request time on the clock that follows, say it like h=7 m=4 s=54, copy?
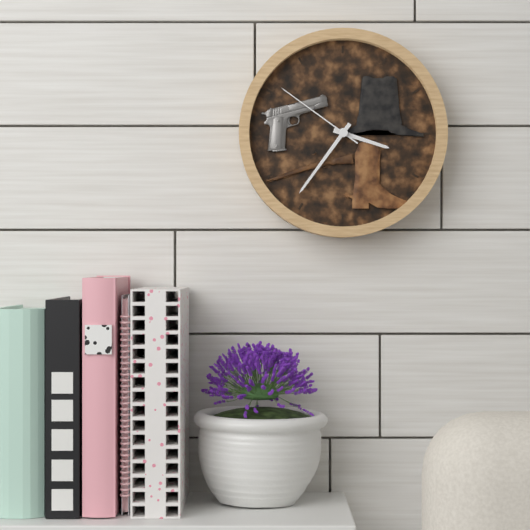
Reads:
h=3 m=36 s=51
